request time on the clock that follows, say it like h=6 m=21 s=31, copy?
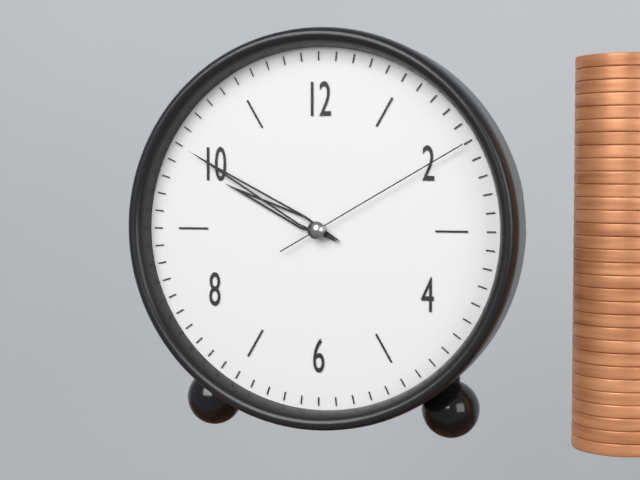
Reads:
h=9 m=50 s=10
